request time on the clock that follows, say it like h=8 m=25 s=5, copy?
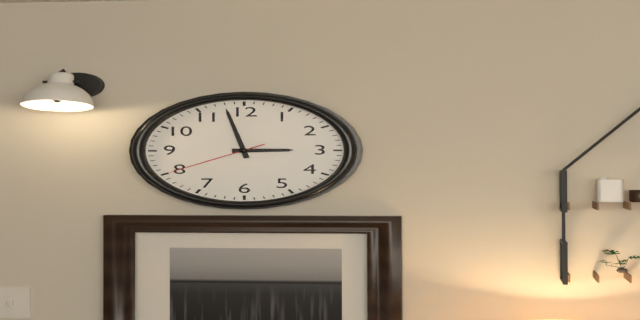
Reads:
h=2 m=58 s=40
